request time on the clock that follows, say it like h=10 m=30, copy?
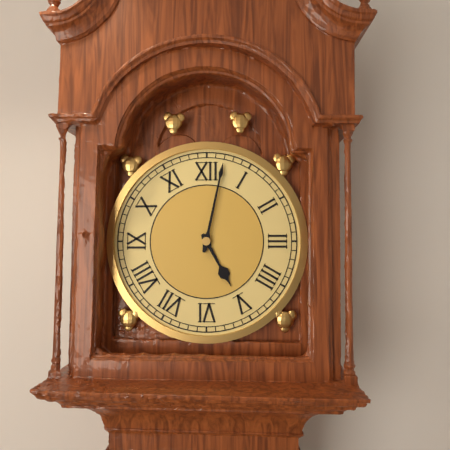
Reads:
h=5 m=2
